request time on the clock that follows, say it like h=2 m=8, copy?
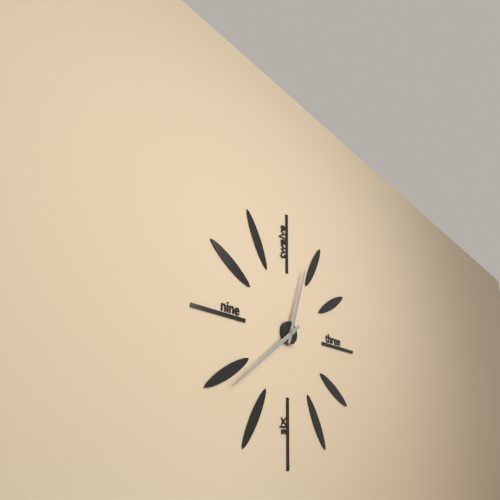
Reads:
h=12 m=39
